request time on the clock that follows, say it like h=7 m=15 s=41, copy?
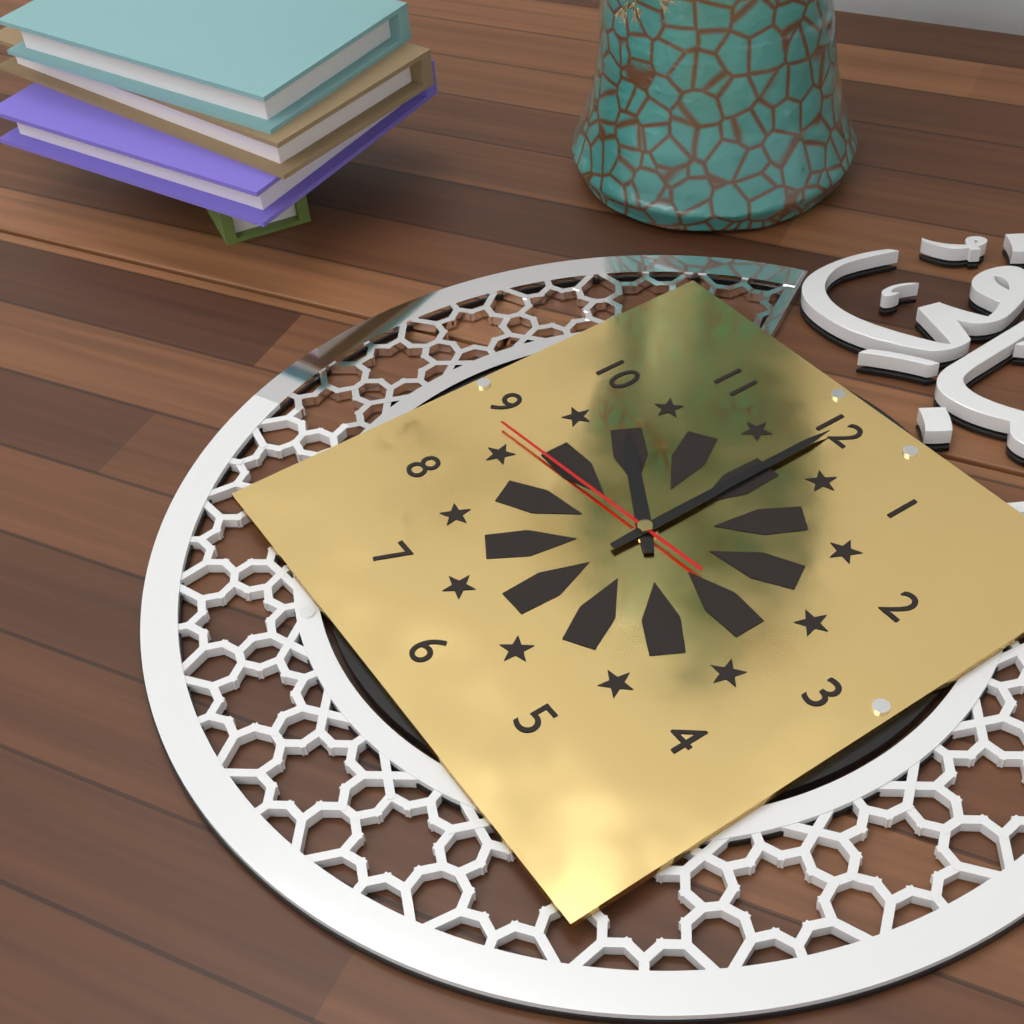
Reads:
h=10 m=0 s=44
